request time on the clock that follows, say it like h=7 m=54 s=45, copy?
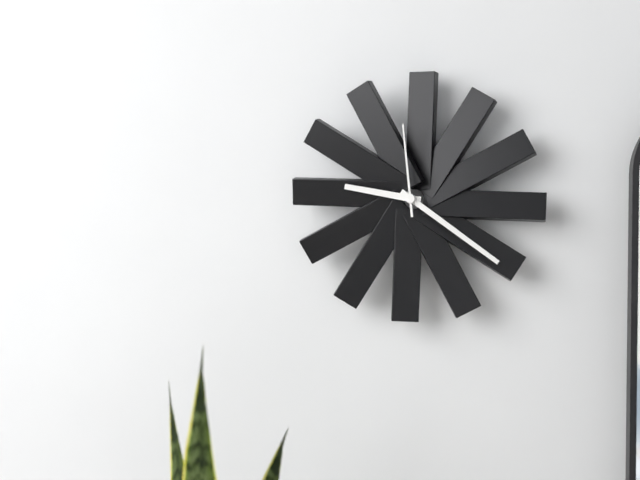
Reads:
h=9 m=21 s=59
